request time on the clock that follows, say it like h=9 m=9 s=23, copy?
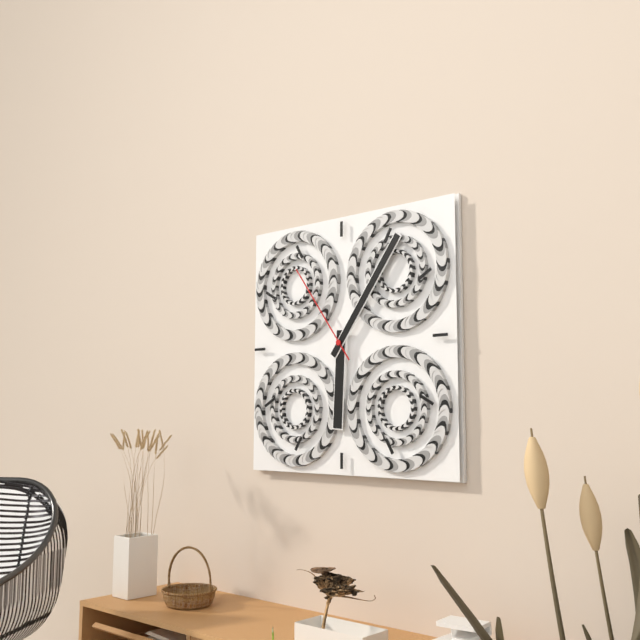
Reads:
h=6 m=6 s=54
